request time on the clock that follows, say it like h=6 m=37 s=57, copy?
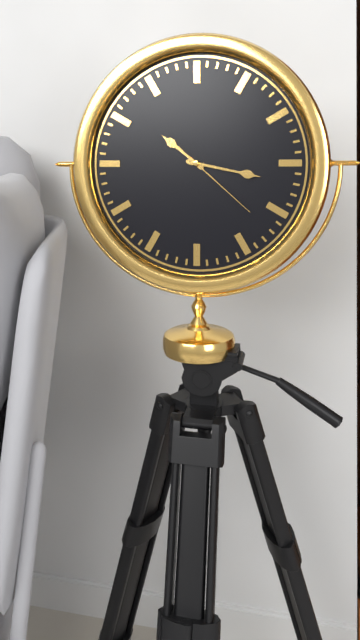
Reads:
h=10 m=17 s=22
